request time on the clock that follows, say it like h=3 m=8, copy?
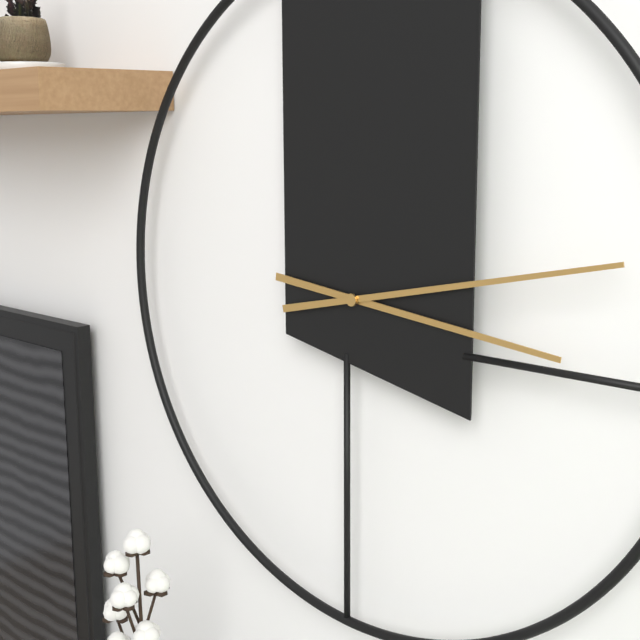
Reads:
h=3 m=13
